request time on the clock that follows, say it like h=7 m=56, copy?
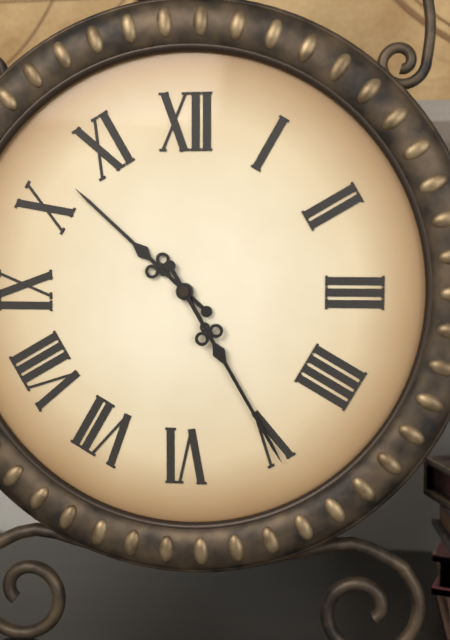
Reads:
h=10 m=25
